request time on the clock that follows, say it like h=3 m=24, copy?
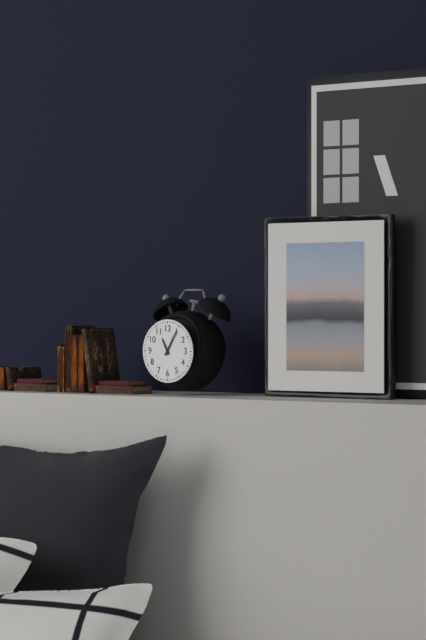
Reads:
h=11 m=5
